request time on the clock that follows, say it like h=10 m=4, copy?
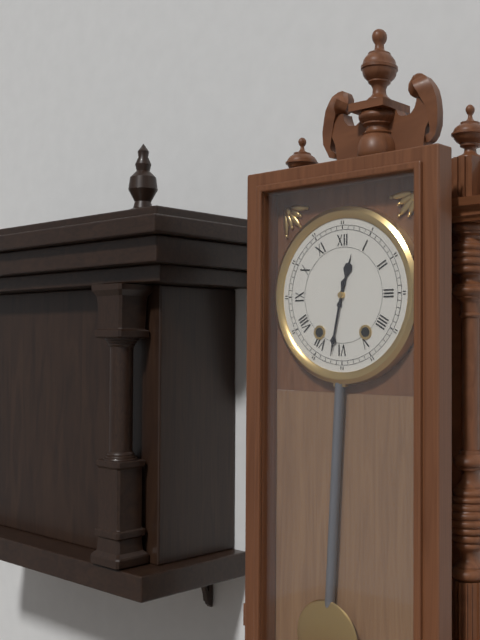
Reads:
h=12 m=32
